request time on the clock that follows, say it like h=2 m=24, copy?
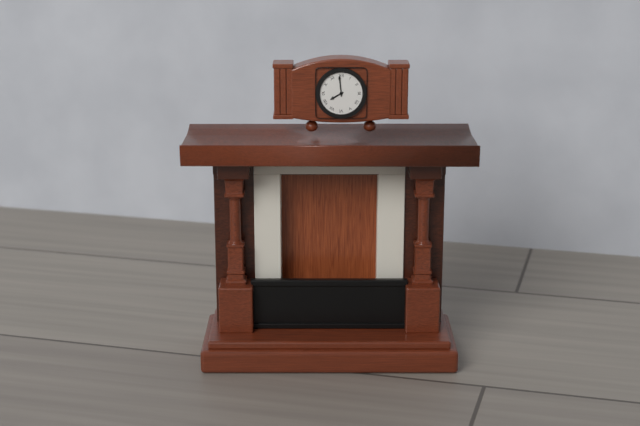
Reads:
h=7 m=59
